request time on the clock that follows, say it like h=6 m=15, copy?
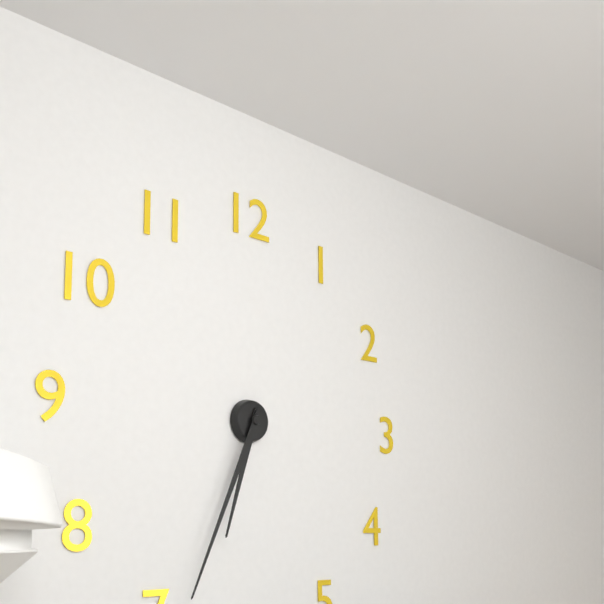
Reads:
h=6 m=34
